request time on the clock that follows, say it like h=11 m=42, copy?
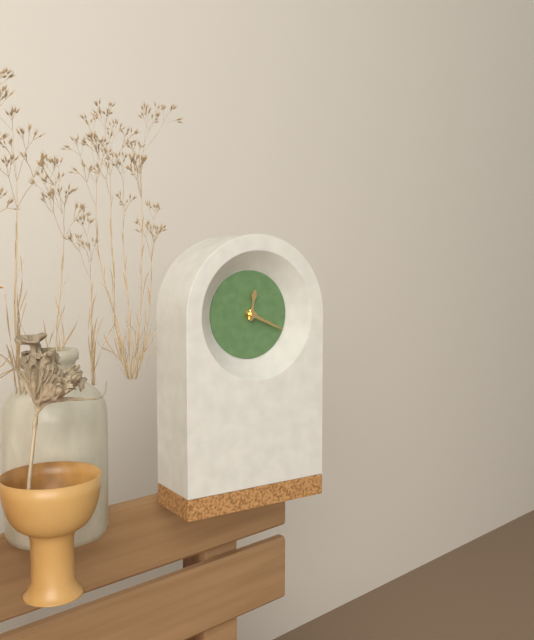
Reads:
h=12 m=19
